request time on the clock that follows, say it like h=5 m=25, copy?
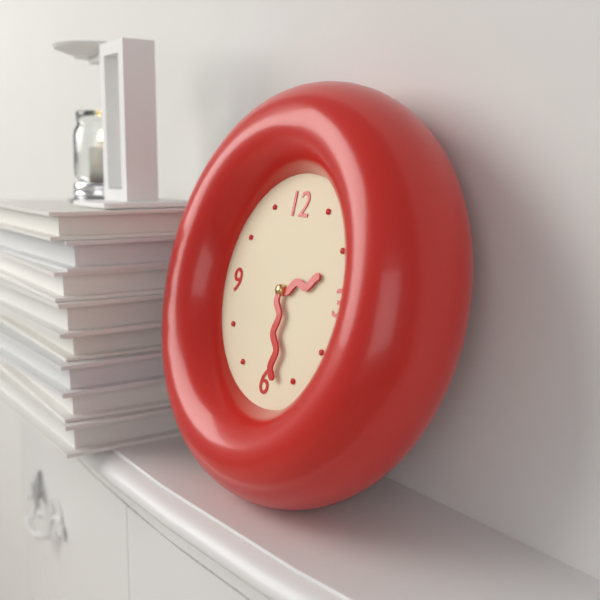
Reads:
h=2 m=28
